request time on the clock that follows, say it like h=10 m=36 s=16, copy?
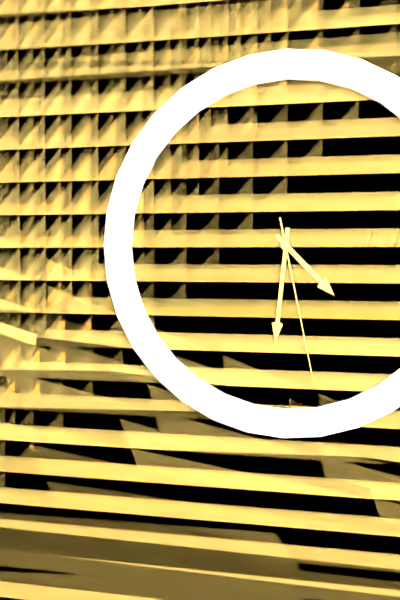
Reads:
h=4 m=31 s=28
